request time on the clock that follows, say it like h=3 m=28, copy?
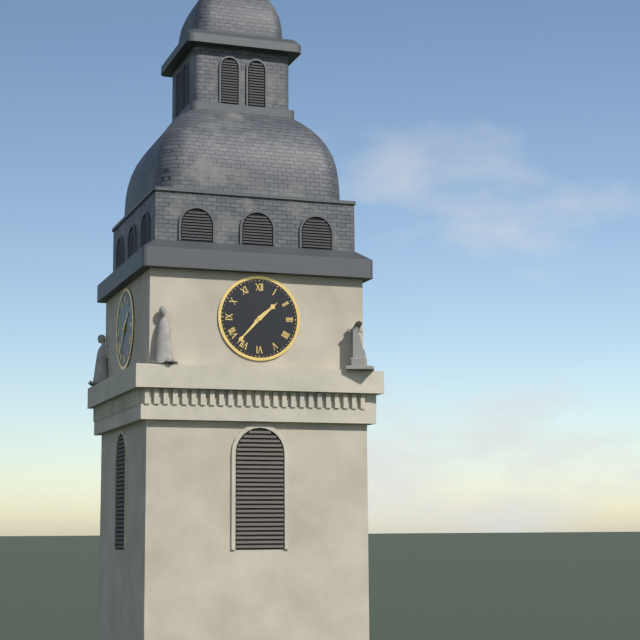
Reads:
h=1 m=37
